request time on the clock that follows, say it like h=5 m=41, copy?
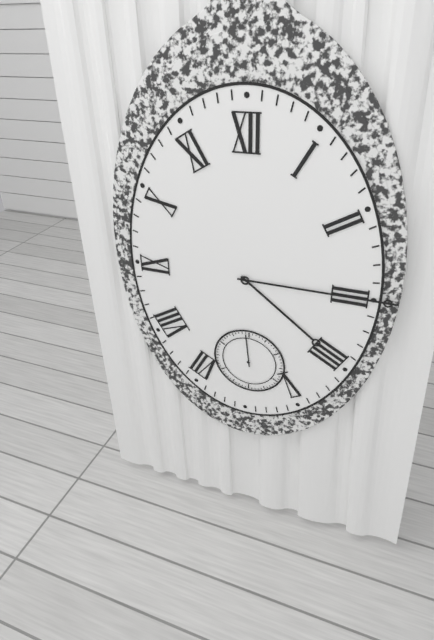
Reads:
h=4 m=15
